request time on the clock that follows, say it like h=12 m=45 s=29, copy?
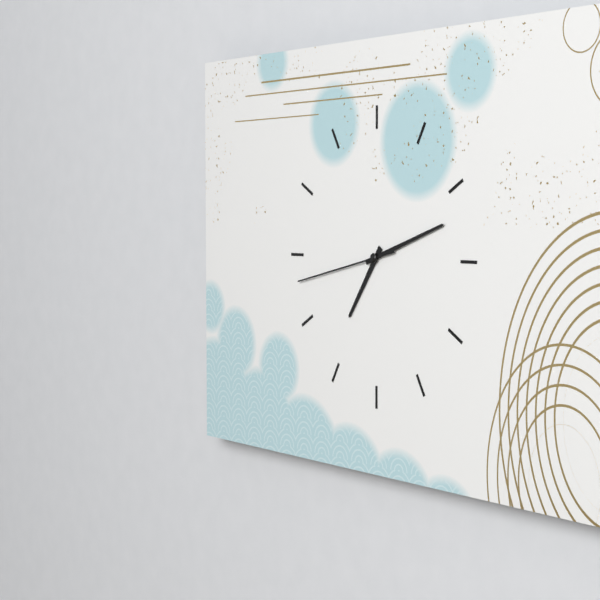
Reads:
h=7 m=12 s=43
